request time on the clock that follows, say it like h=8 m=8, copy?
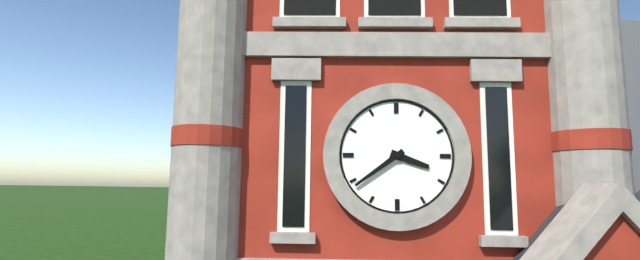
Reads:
h=3 m=39
